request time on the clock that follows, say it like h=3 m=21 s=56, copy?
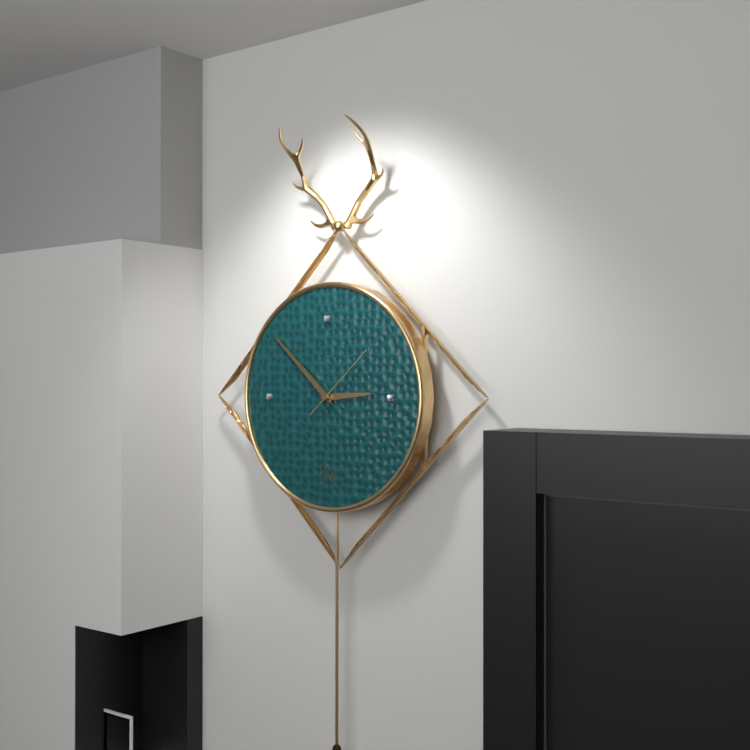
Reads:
h=2 m=52 s=8
